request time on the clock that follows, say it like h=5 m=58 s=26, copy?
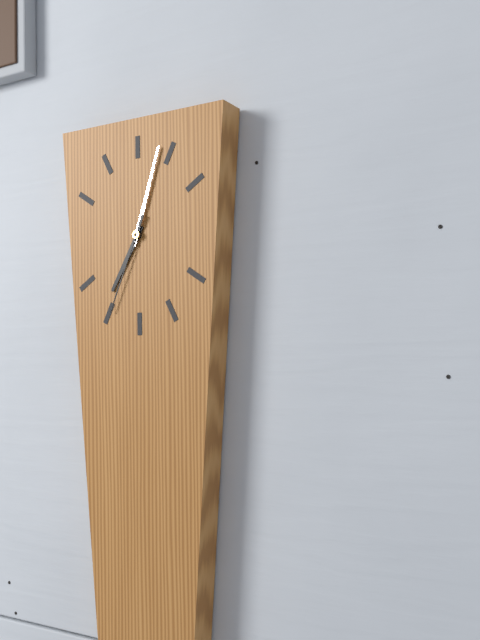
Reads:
h=7 m=3 s=34
